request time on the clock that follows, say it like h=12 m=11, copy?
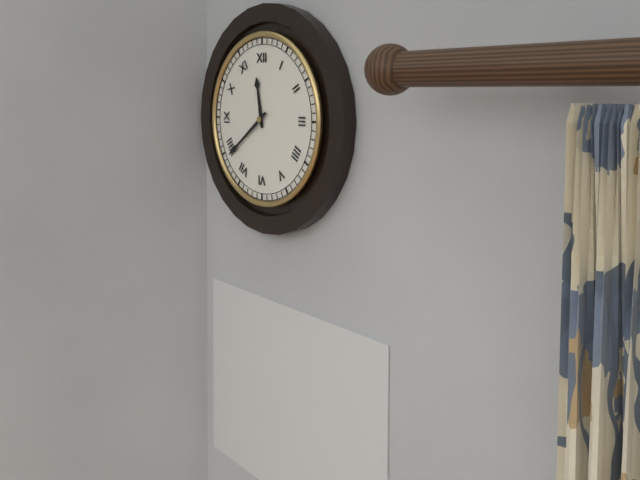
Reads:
h=11 m=39
